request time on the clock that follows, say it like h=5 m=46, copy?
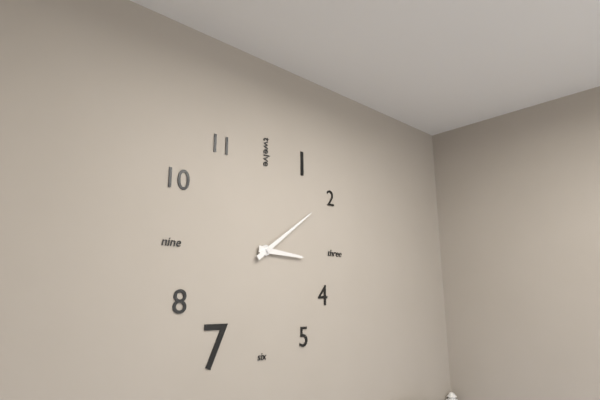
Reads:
h=3 m=9
